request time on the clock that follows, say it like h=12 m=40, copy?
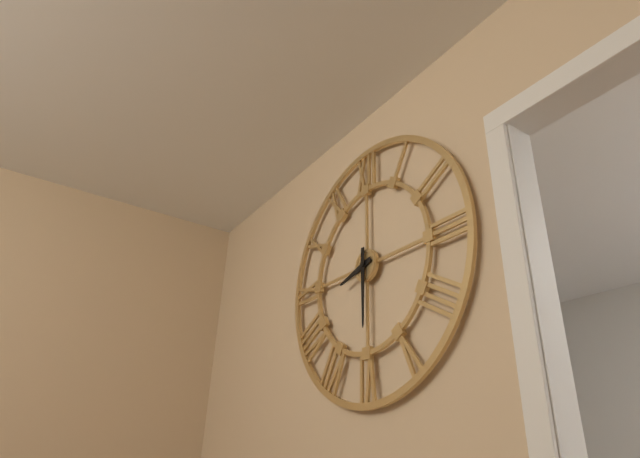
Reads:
h=8 m=30
